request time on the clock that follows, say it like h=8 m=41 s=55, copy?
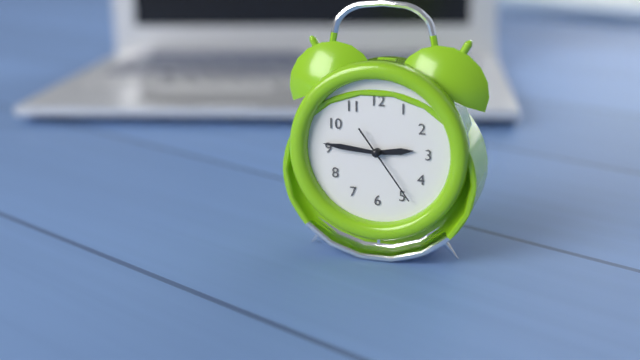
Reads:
h=2 m=46 s=24
